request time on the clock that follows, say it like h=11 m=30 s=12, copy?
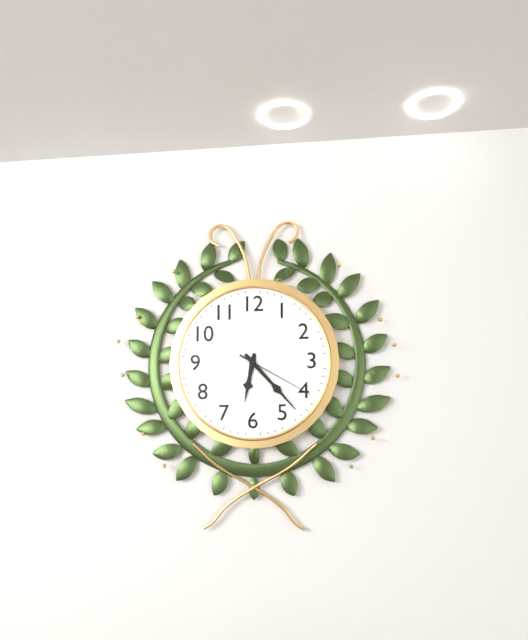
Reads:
h=6 m=23 s=20
